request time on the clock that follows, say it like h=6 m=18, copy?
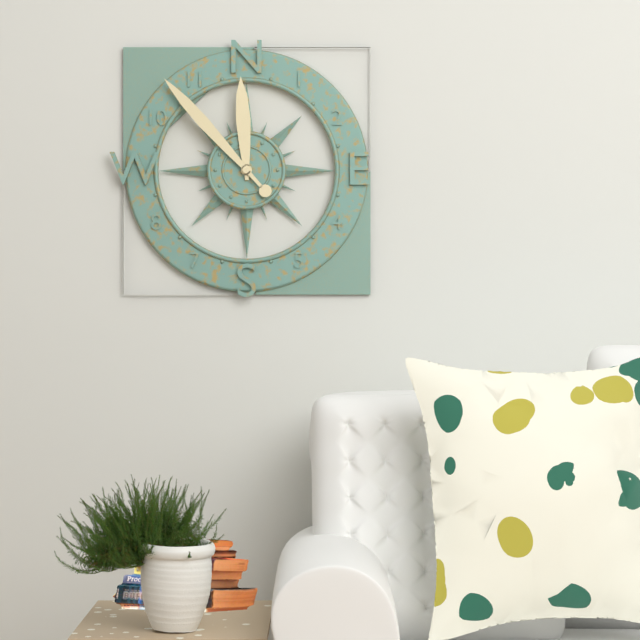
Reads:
h=11 m=53
